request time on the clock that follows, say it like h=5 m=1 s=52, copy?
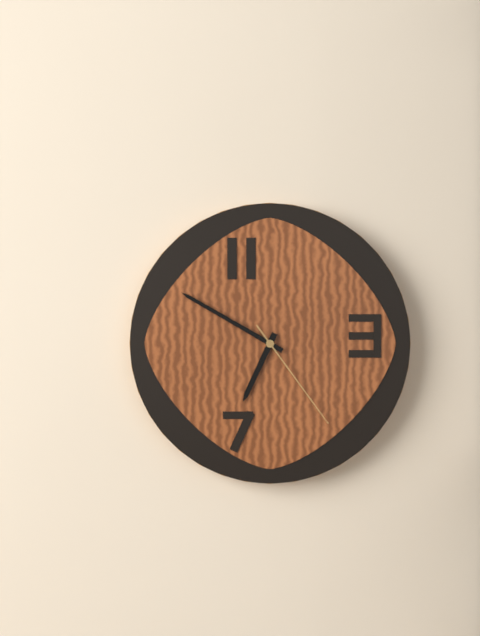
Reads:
h=6 m=50 s=24
